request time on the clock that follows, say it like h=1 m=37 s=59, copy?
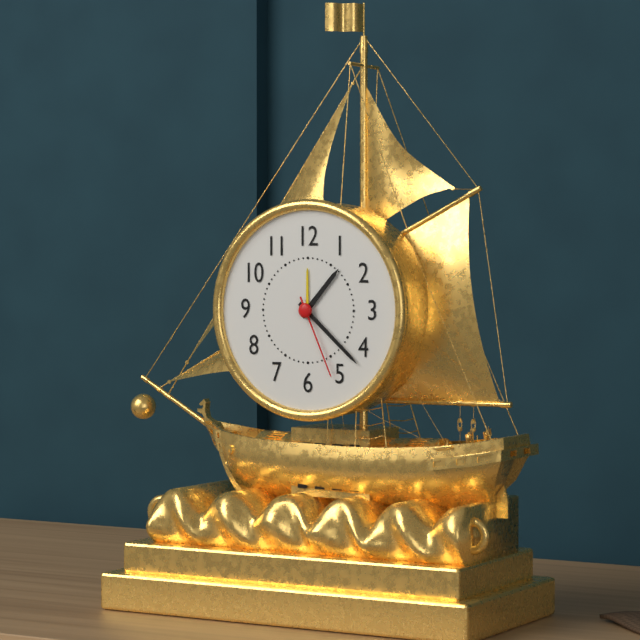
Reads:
h=1 m=22 s=26
